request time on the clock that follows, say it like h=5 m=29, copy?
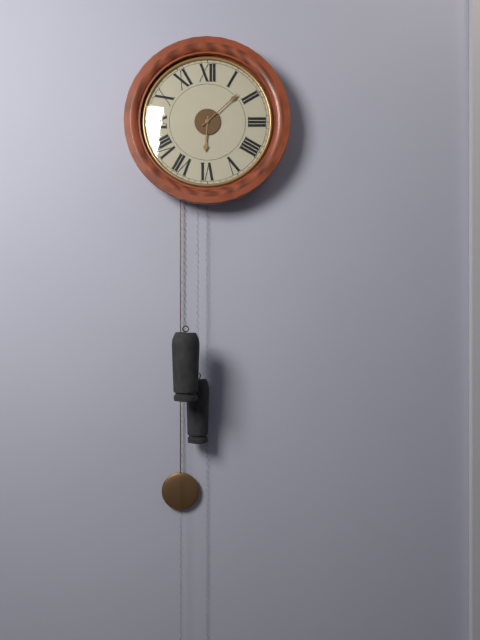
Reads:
h=6 m=8
